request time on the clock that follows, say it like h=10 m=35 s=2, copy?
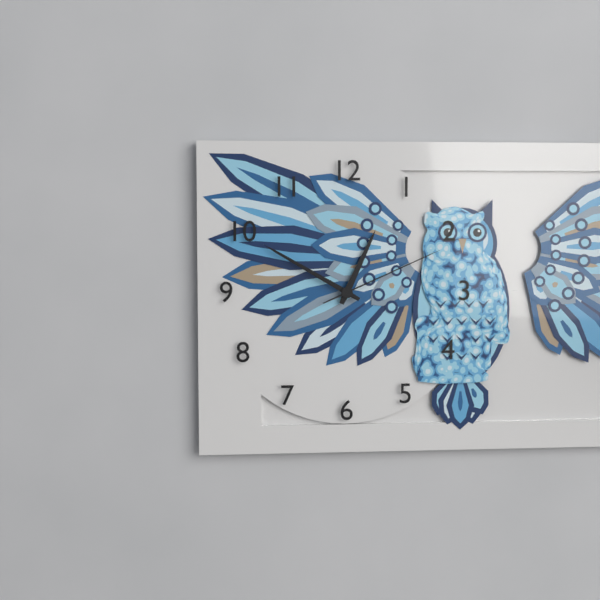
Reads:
h=12 m=50 s=11
